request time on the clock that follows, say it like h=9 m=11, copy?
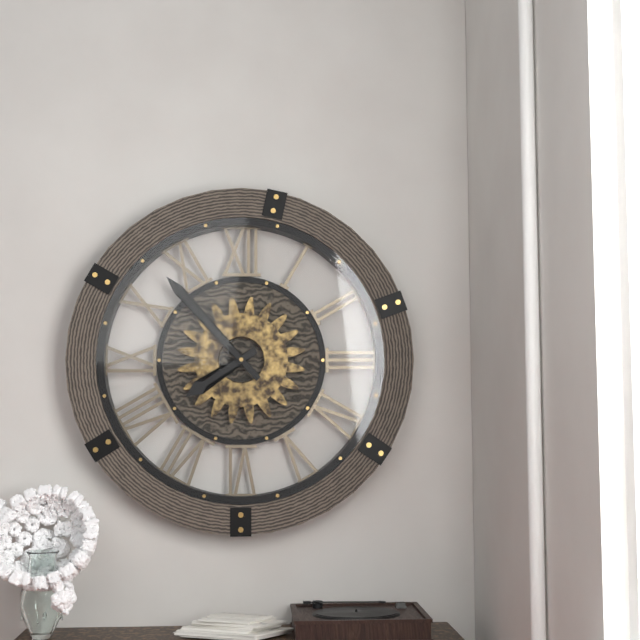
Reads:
h=7 m=53
